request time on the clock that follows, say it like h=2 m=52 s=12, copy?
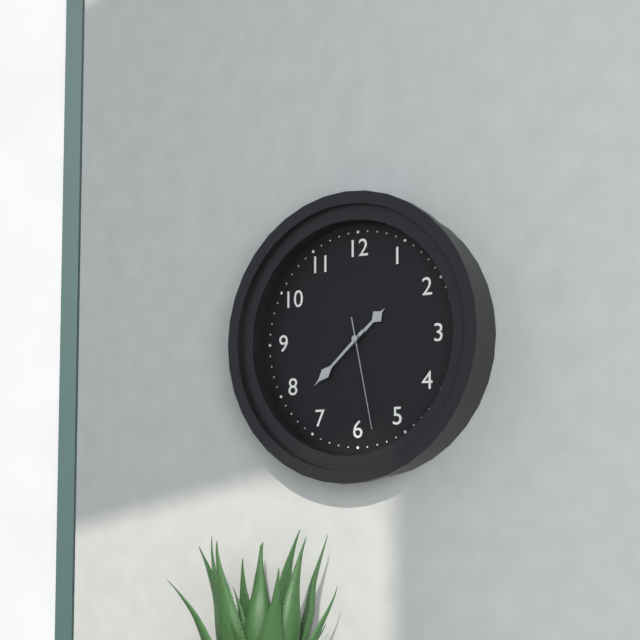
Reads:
h=1 m=38 s=28
